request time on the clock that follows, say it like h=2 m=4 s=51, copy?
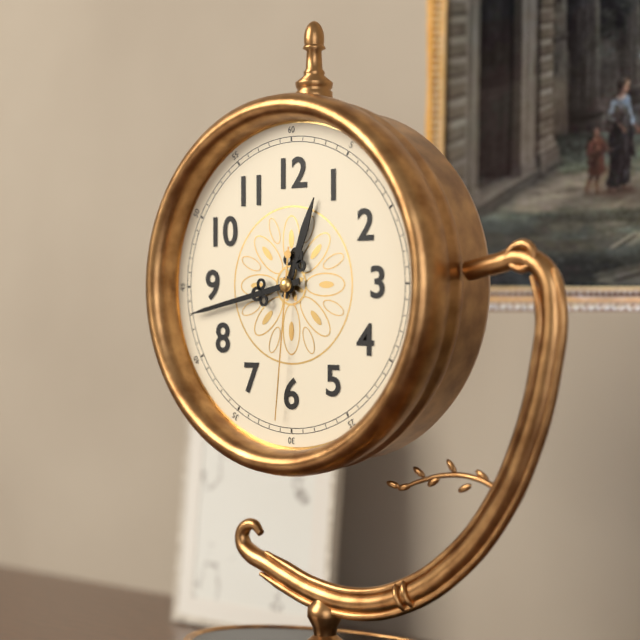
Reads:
h=12 m=43 s=31
